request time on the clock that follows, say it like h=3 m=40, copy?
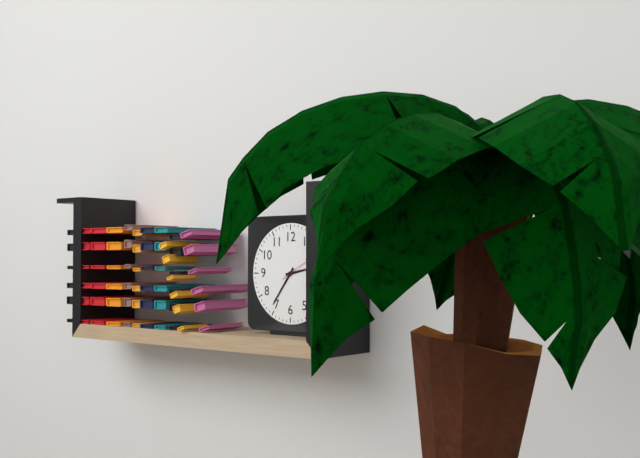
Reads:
h=2 m=36
